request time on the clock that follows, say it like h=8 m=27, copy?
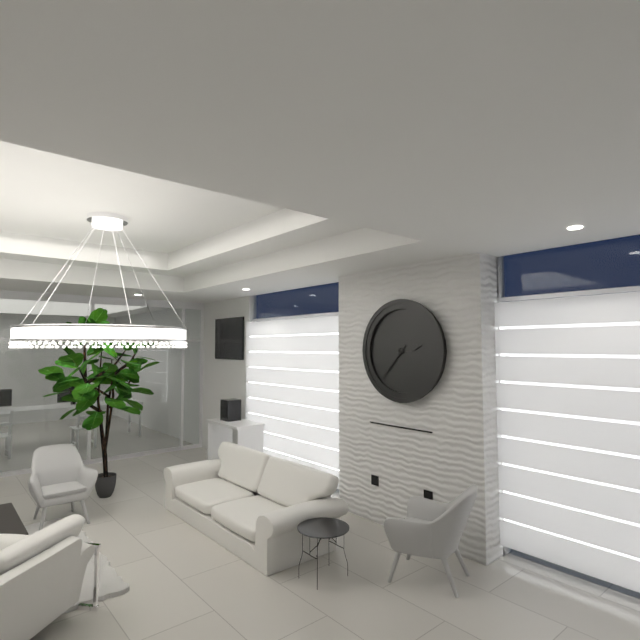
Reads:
h=2 m=37
